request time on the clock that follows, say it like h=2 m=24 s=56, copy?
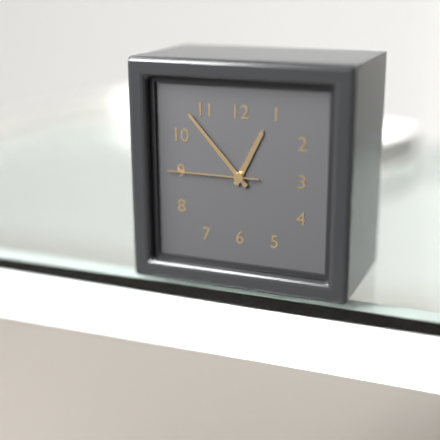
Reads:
h=12 m=53 s=45
